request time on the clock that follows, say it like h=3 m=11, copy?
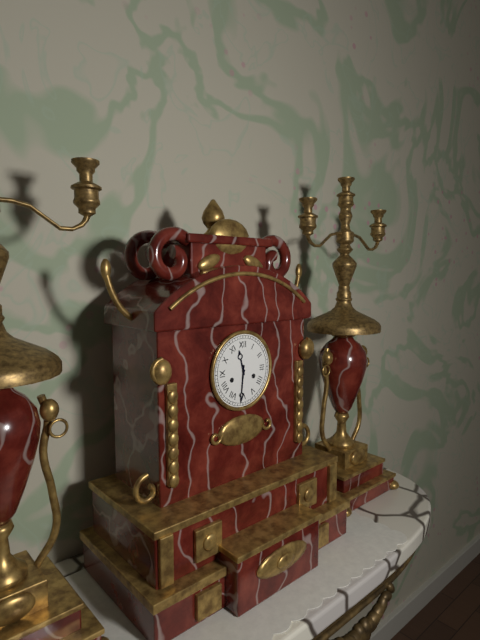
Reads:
h=11 m=31
